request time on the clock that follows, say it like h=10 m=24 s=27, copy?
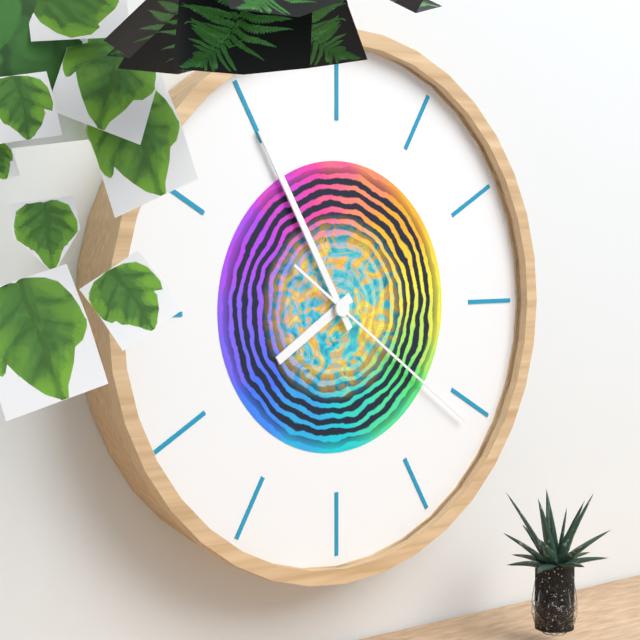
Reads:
h=7 m=55 s=21
